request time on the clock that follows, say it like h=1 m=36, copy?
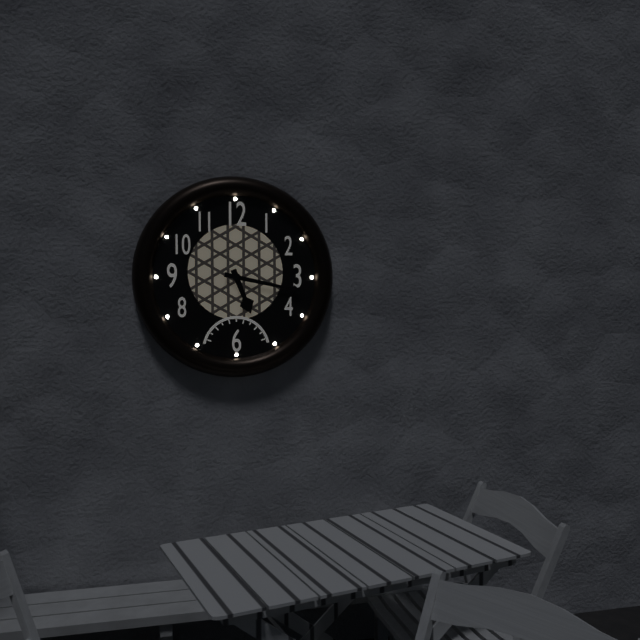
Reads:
h=5 m=17
